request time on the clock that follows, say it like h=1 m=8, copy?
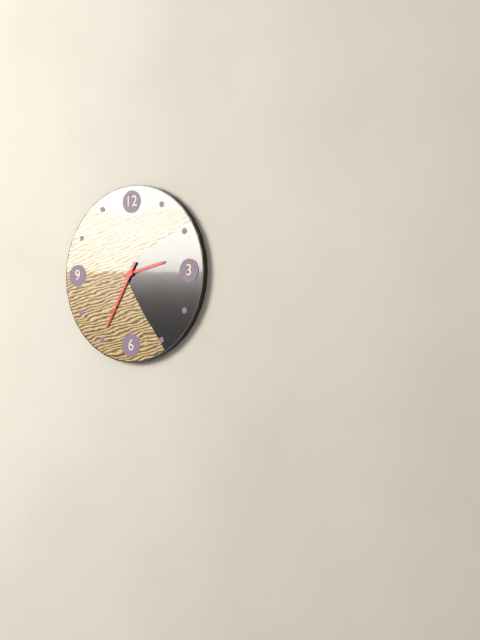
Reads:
h=2 m=35
